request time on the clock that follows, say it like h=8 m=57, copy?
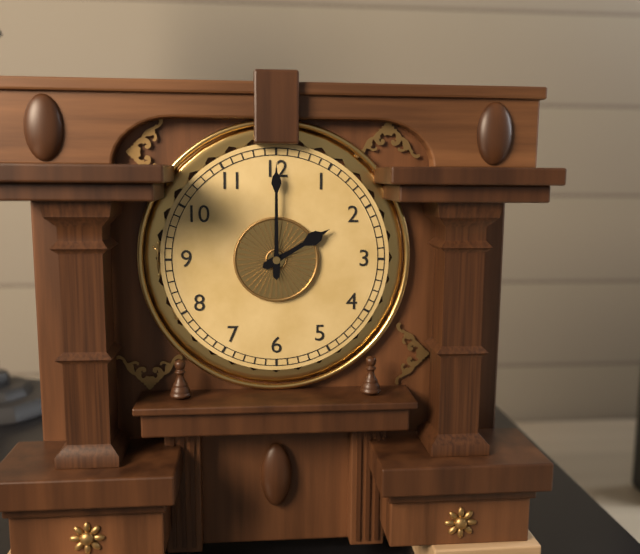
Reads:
h=2 m=0
